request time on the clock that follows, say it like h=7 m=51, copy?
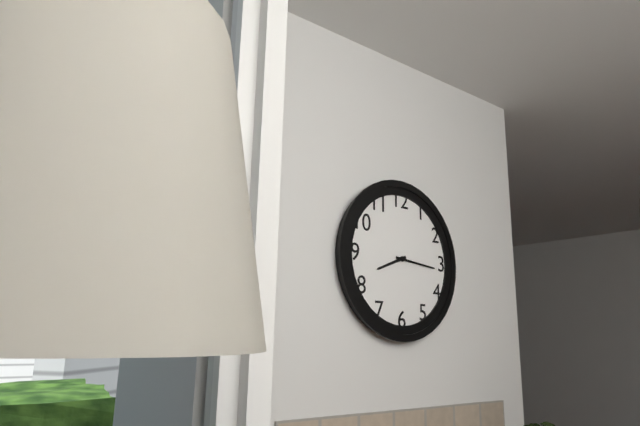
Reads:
h=8 m=16
